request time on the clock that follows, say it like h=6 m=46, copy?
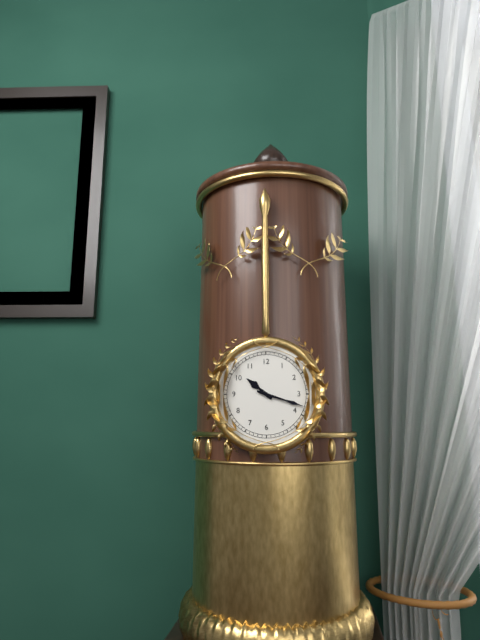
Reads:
h=10 m=18
